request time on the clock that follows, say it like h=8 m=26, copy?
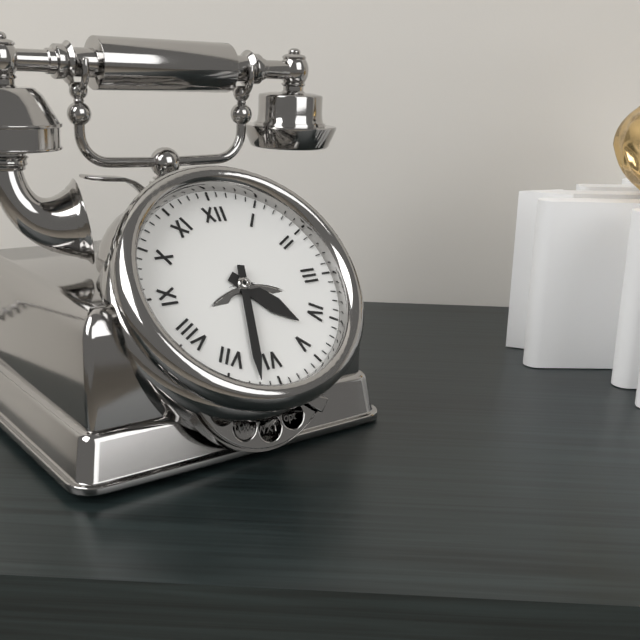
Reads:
h=4 m=32
